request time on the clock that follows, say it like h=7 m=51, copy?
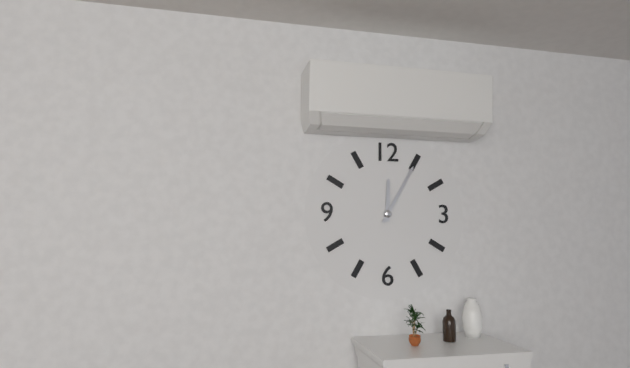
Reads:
h=12 m=5
